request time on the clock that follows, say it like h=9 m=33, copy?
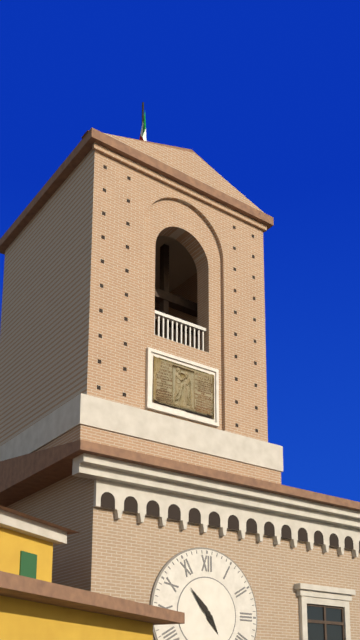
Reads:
h=4 m=53
